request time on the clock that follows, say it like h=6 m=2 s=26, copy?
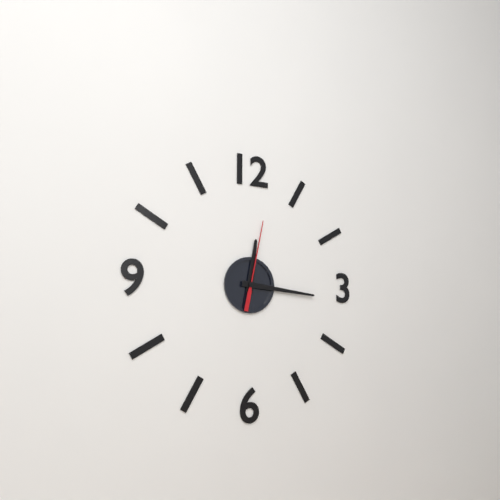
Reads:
h=12 m=16 s=2
